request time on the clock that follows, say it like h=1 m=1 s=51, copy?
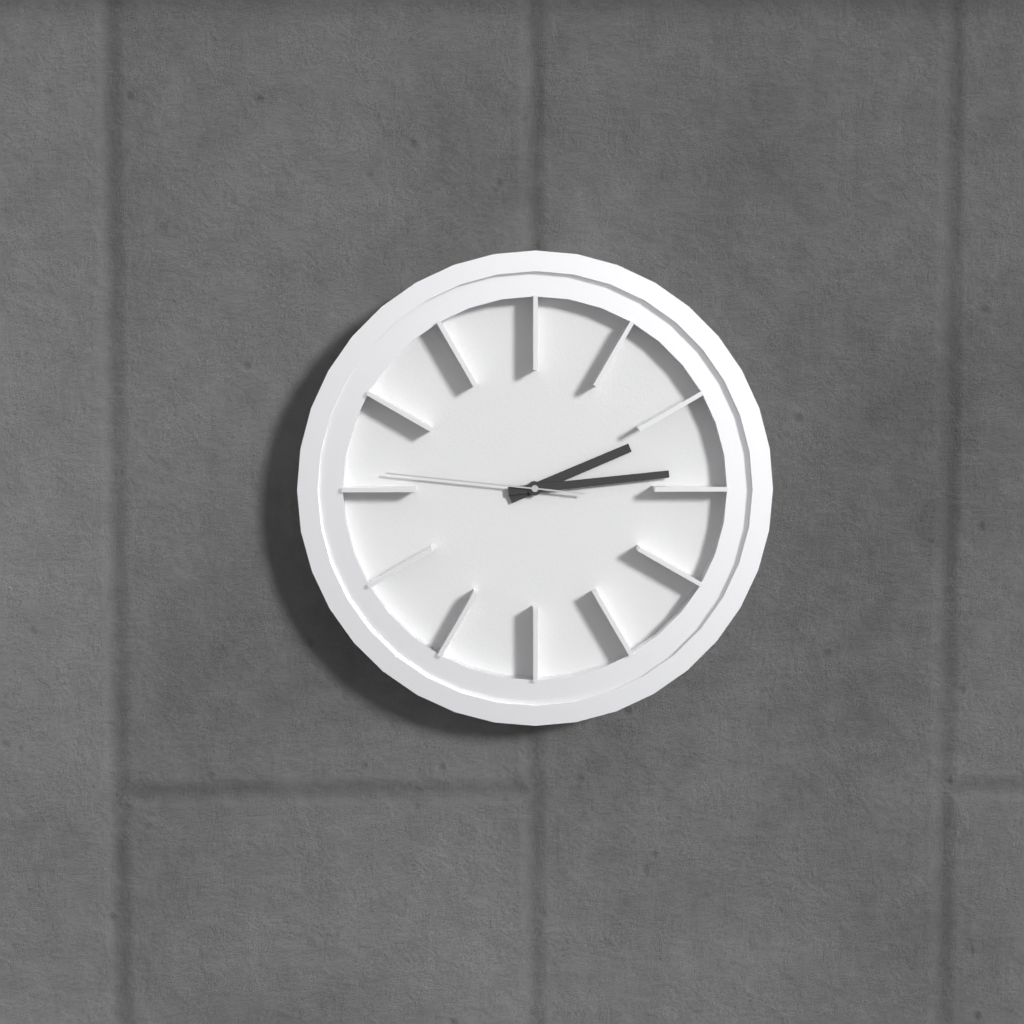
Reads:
h=2 m=14 s=46
